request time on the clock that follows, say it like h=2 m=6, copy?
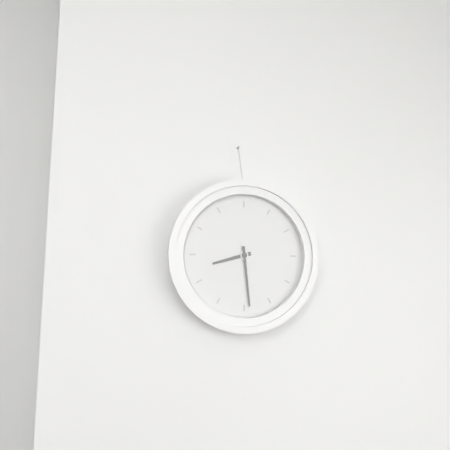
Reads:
h=8 m=29
